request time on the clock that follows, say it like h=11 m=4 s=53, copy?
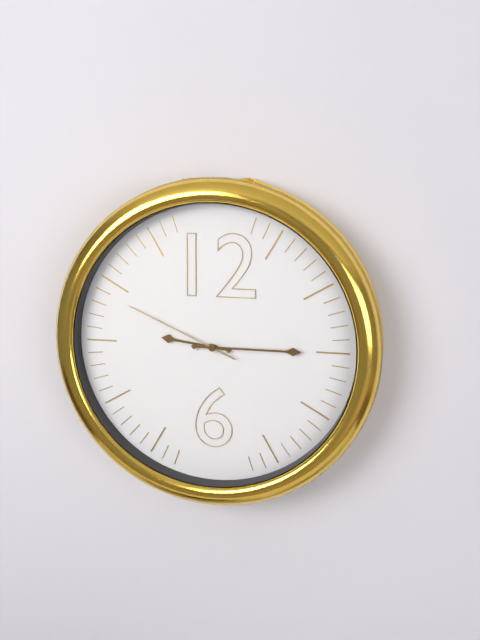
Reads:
h=9 m=15 s=49
